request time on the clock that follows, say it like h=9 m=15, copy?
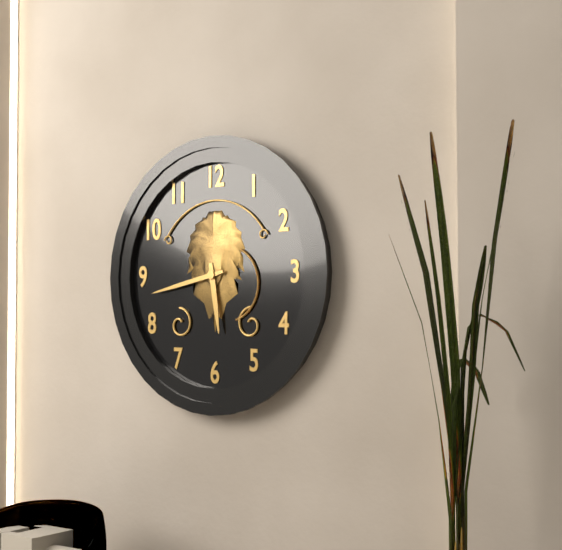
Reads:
h=5 m=43
